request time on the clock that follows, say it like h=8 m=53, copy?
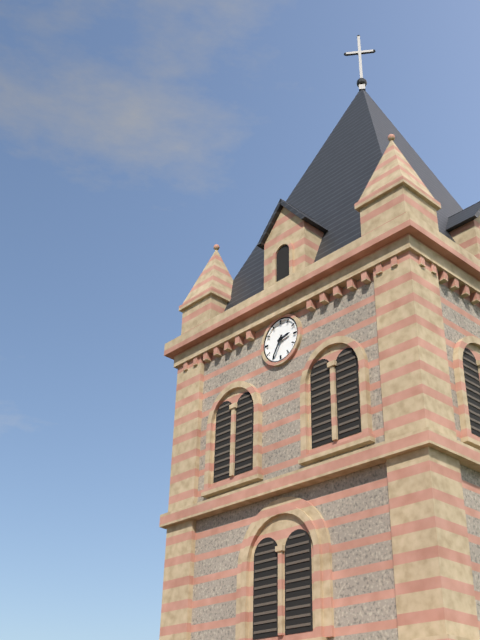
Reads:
h=2 m=35
